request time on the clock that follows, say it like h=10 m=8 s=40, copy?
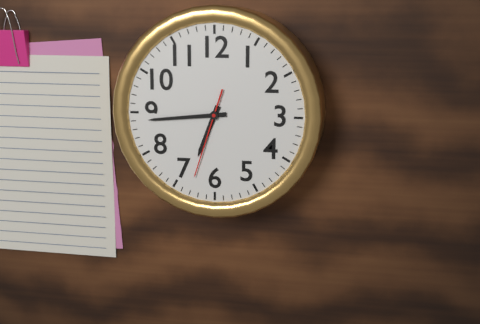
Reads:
h=6 m=44 s=33
